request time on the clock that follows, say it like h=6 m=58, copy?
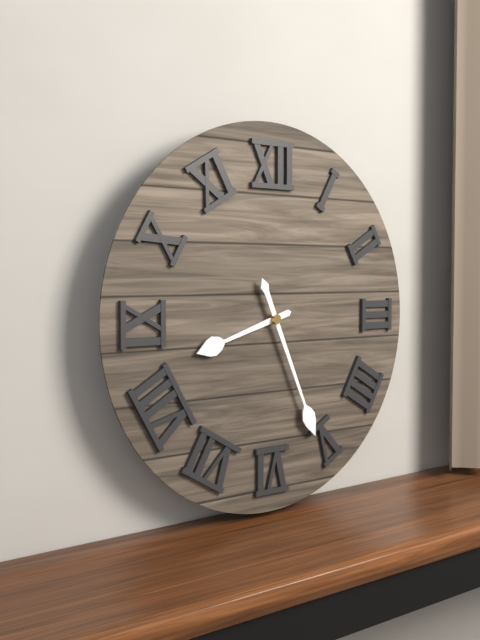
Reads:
h=8 m=26
